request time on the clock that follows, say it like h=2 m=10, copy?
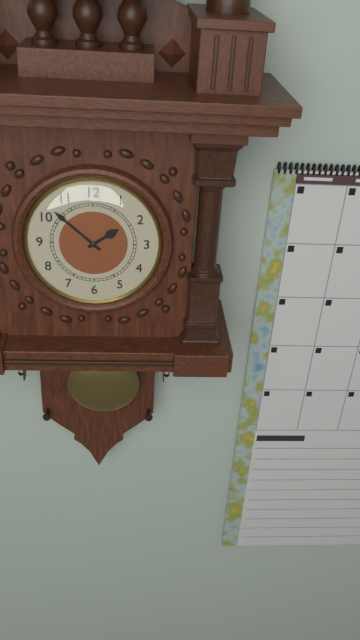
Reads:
h=1 m=52
